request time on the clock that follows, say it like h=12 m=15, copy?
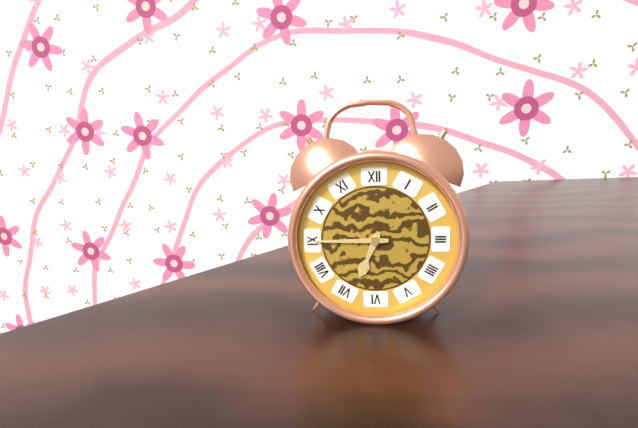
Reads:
h=6 m=45
